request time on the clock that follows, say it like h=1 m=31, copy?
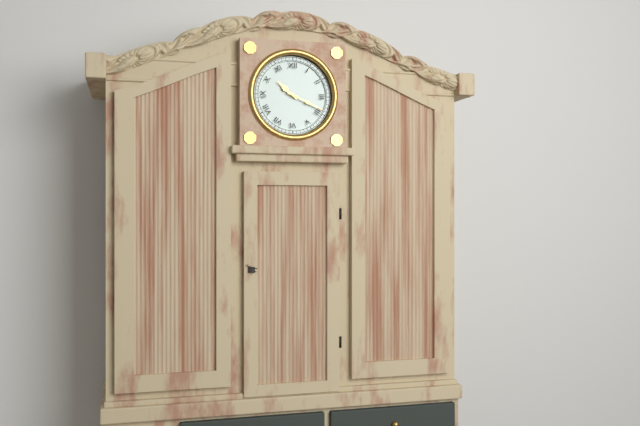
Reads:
h=10 m=19
